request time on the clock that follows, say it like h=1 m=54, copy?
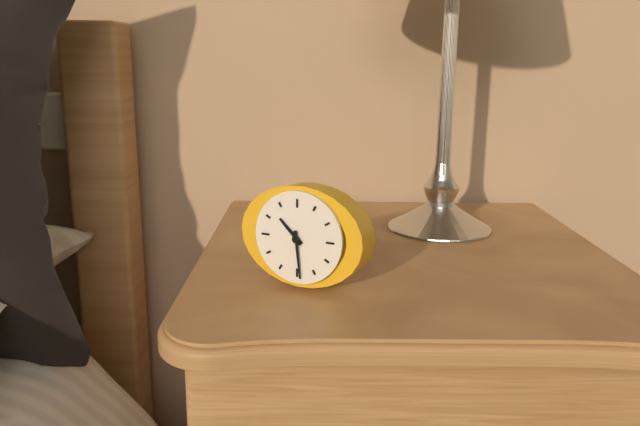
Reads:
h=10 m=29
